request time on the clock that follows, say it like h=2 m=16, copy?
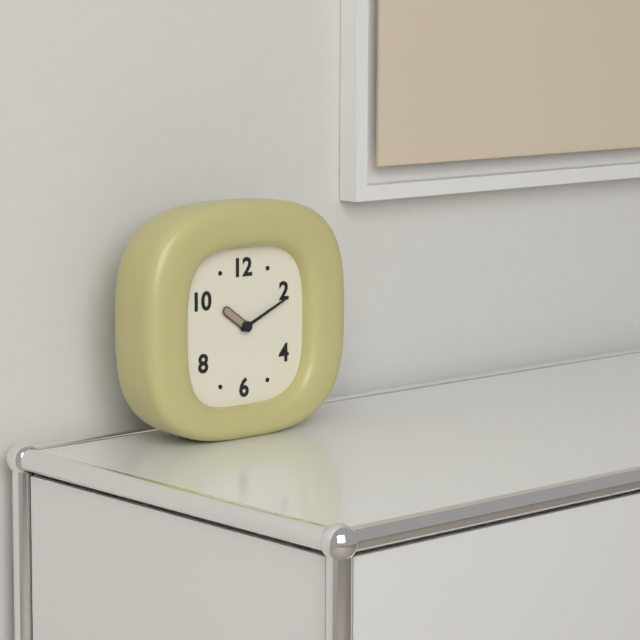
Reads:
h=10 m=11
